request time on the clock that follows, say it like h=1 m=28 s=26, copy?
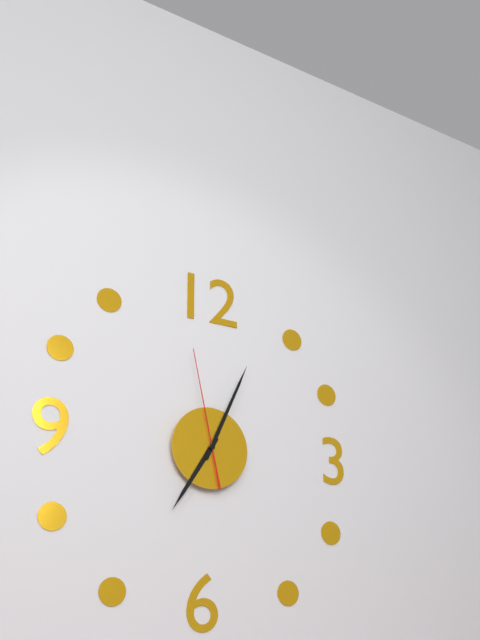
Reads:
h=7 m=4 s=58
